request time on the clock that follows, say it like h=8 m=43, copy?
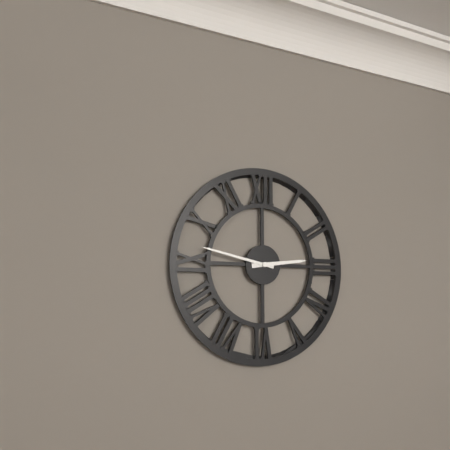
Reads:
h=2 m=47
